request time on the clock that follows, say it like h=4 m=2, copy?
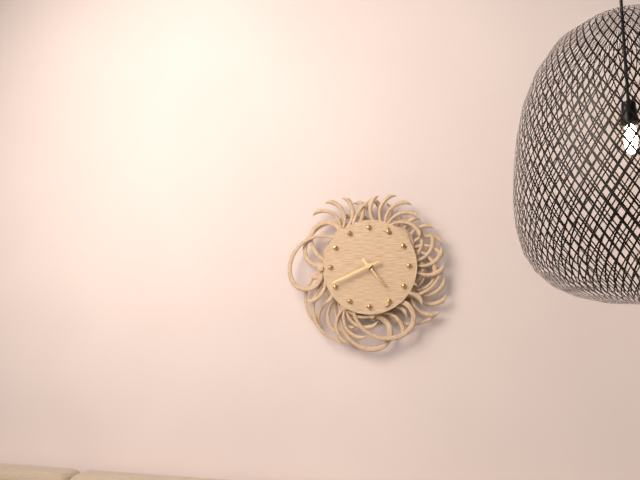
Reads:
h=4 m=41
